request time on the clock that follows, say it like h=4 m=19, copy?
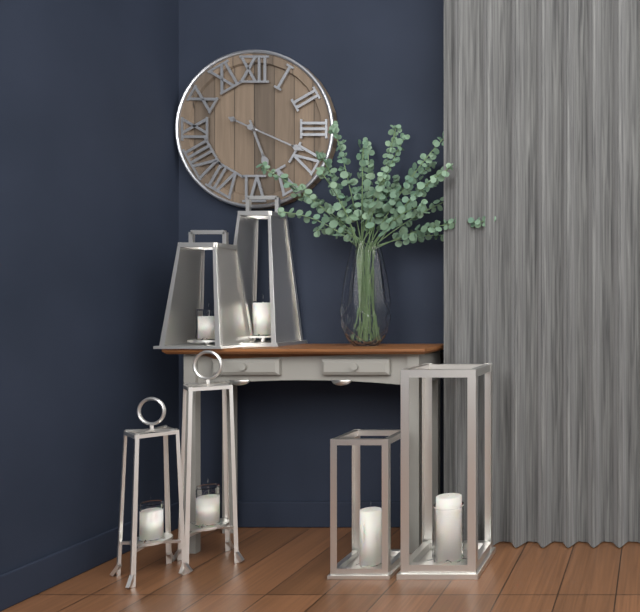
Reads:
h=5 m=19
